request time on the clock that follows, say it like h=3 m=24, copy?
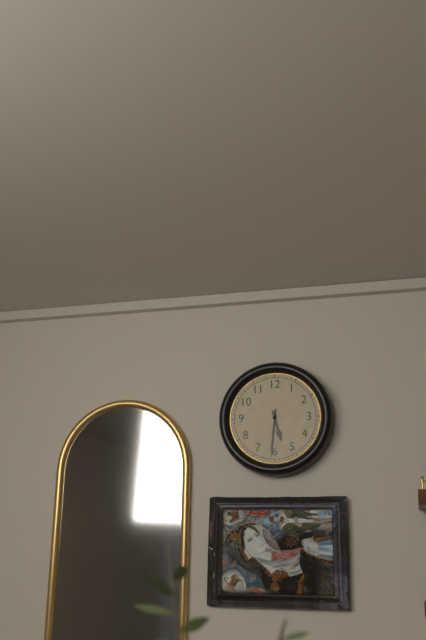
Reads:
h=5 m=31
